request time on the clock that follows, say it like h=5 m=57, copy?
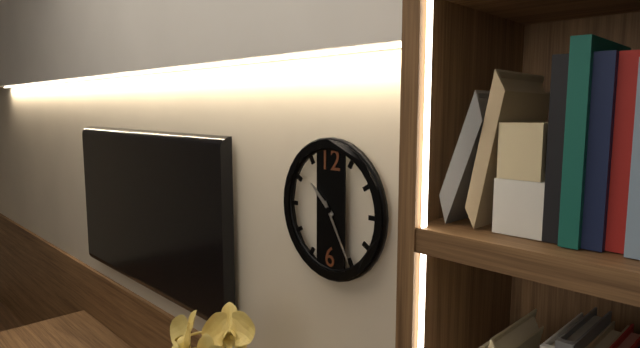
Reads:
h=10 m=25
